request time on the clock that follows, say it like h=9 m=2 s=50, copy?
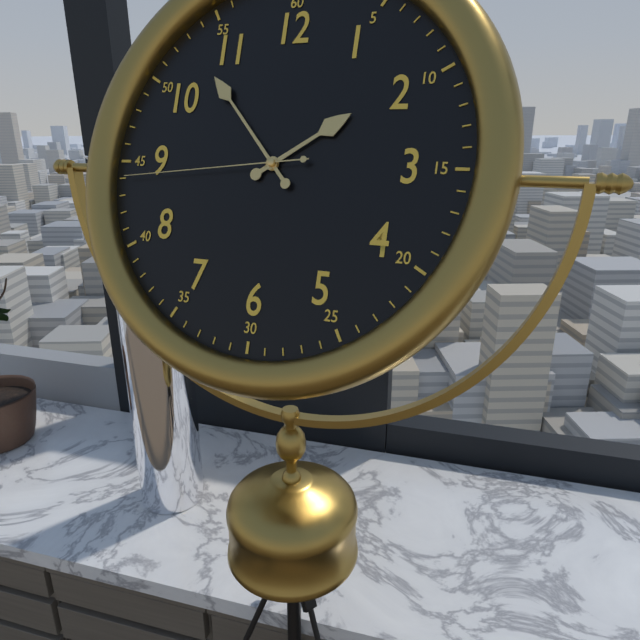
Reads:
h=1 m=53 s=44
